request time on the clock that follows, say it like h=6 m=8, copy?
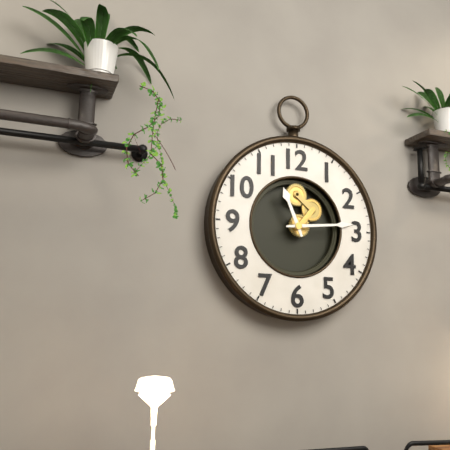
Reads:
h=11 m=14
